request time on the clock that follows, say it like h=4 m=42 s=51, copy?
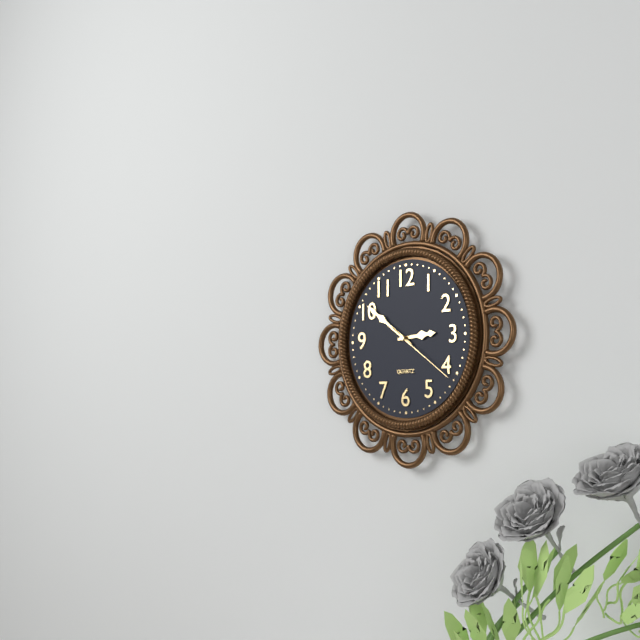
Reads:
h=2 m=51 s=21
